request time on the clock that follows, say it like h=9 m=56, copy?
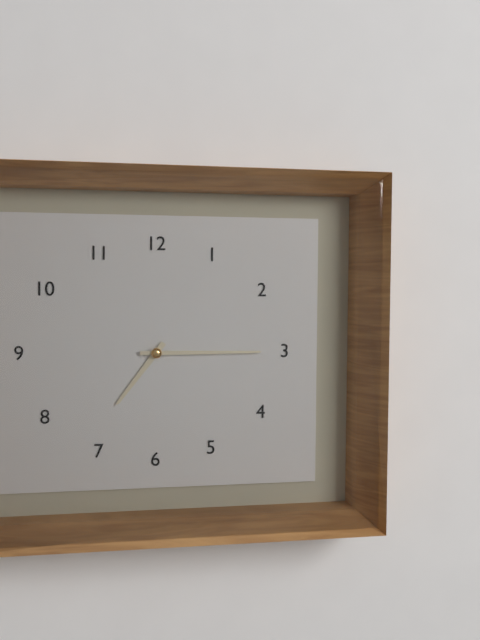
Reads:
h=7 m=15
